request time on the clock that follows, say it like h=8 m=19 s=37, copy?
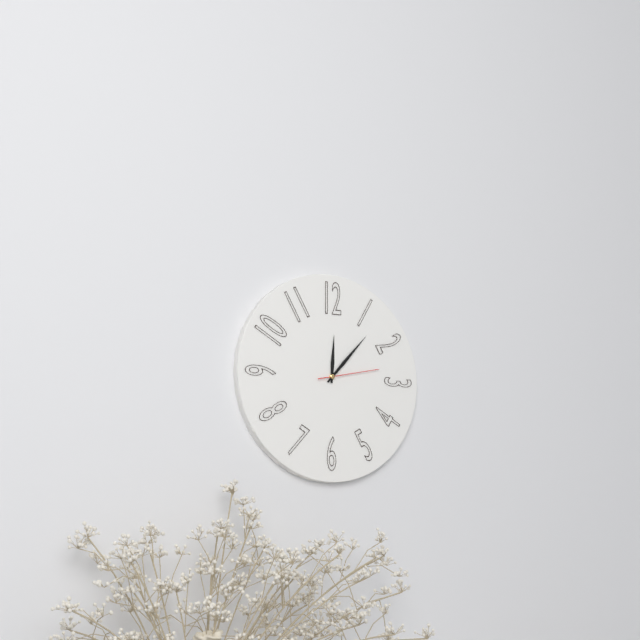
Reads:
h=12 m=7 s=13
